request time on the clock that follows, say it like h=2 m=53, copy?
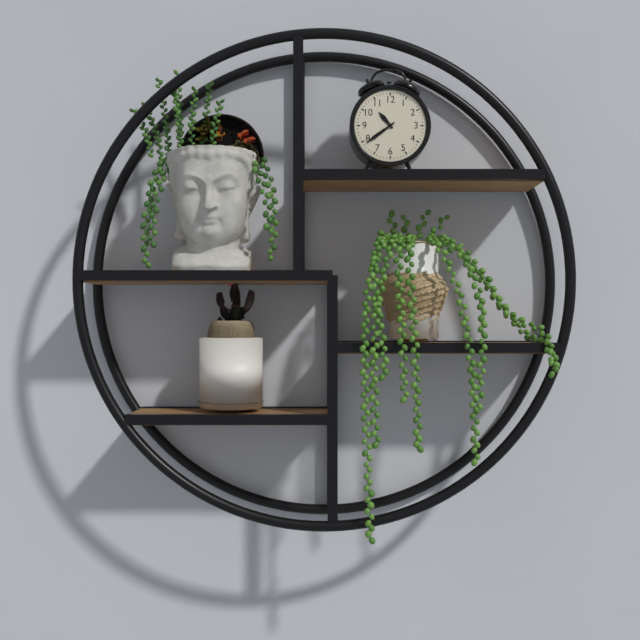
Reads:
h=10 m=39
